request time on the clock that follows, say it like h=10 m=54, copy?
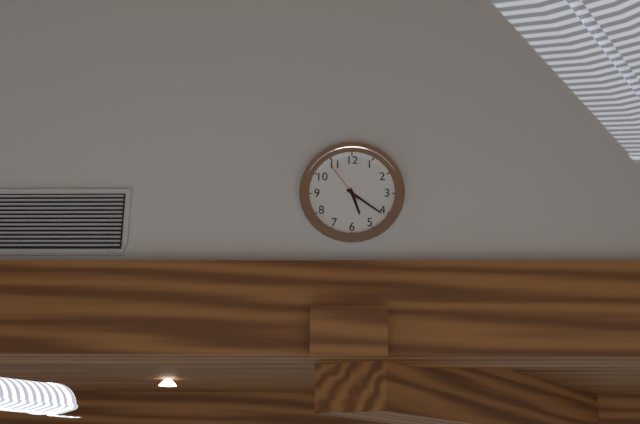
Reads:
h=5 m=21
